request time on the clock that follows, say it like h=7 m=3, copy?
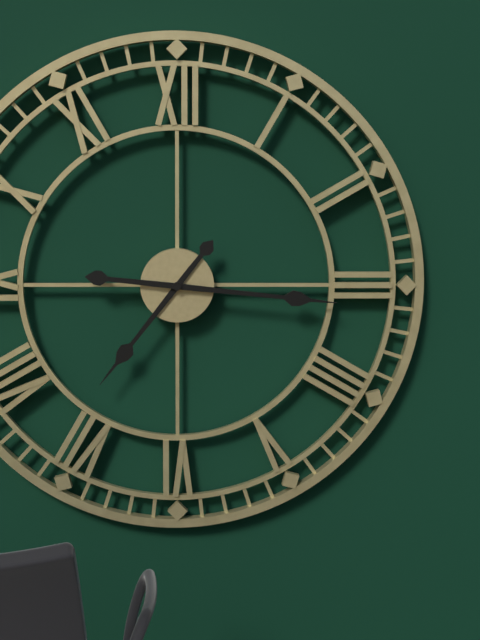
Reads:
h=7 m=16
